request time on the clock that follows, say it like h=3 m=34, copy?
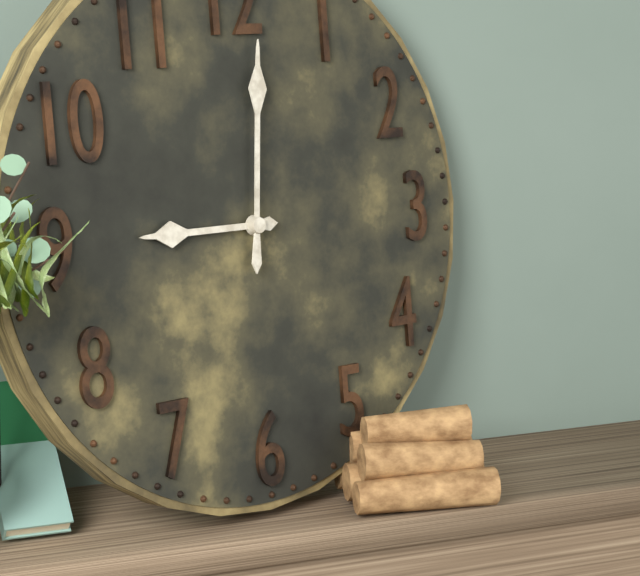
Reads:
h=9 m=1
